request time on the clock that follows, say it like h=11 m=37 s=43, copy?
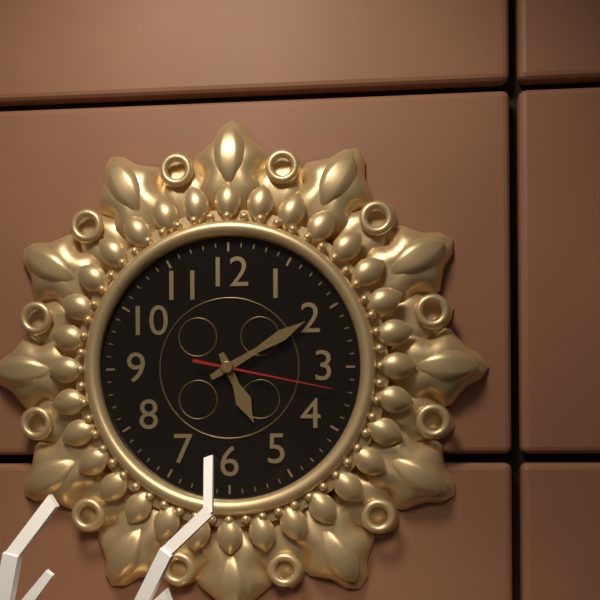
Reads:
h=5 m=10 s=17
